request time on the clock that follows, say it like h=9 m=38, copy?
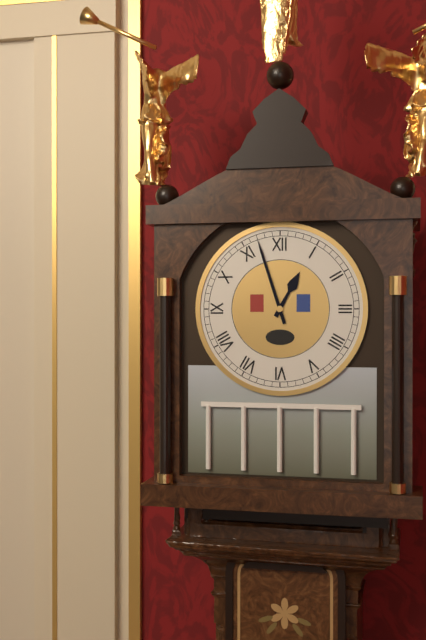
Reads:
h=12 m=57
